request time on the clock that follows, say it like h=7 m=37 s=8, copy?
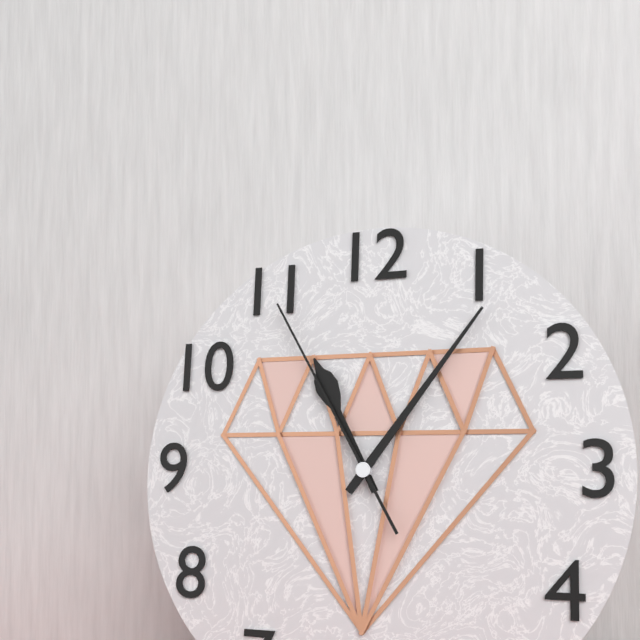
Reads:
h=11 m=6 s=55
